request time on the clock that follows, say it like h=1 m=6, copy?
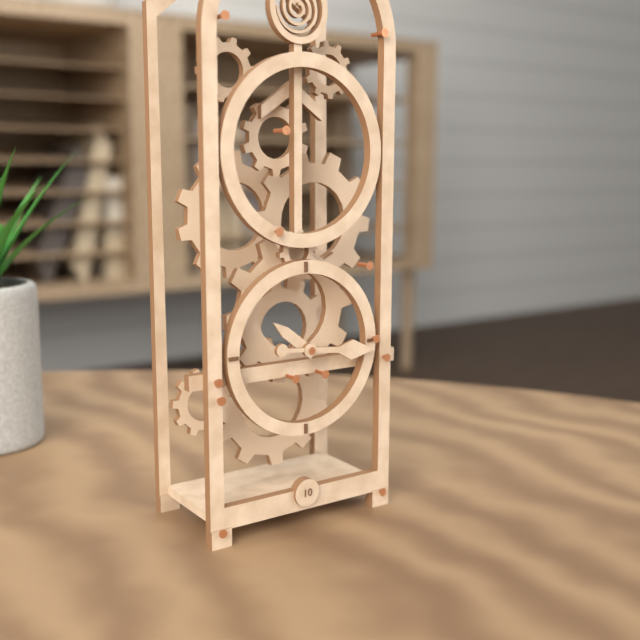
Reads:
h=10 m=16
